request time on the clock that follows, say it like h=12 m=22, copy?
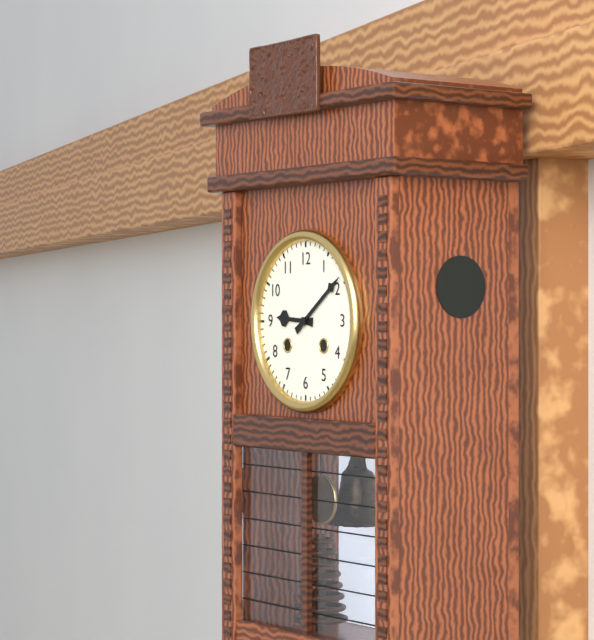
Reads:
h=9 m=9
